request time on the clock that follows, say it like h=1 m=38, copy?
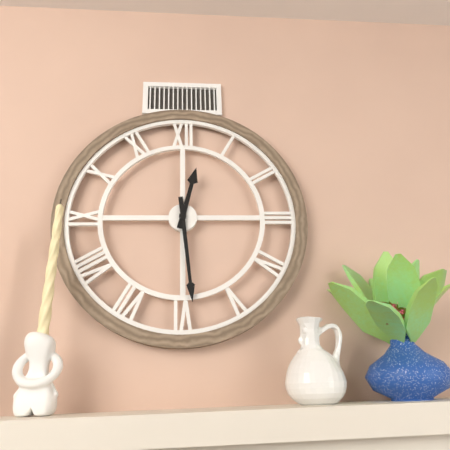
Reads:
h=12 m=29
